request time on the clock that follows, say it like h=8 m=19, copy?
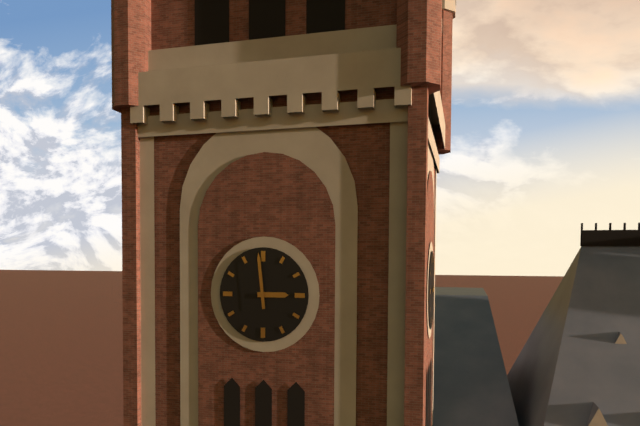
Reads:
h=2 m=59
